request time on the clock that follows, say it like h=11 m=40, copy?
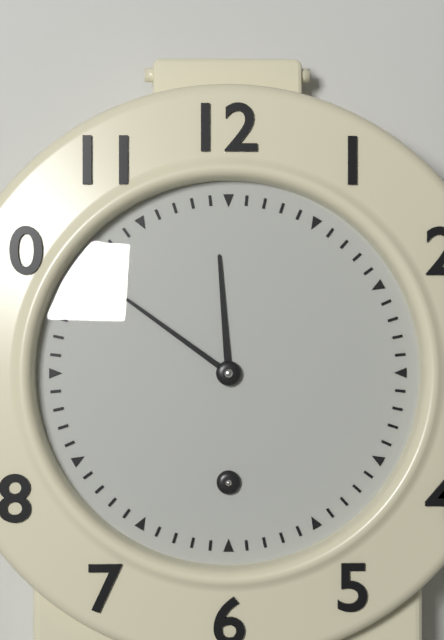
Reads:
h=11 m=51
